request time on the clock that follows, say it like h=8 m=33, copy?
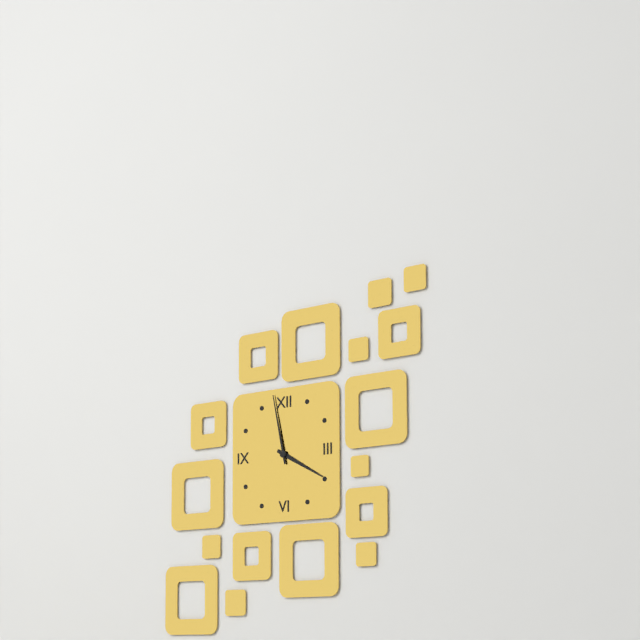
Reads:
h=3 m=58
